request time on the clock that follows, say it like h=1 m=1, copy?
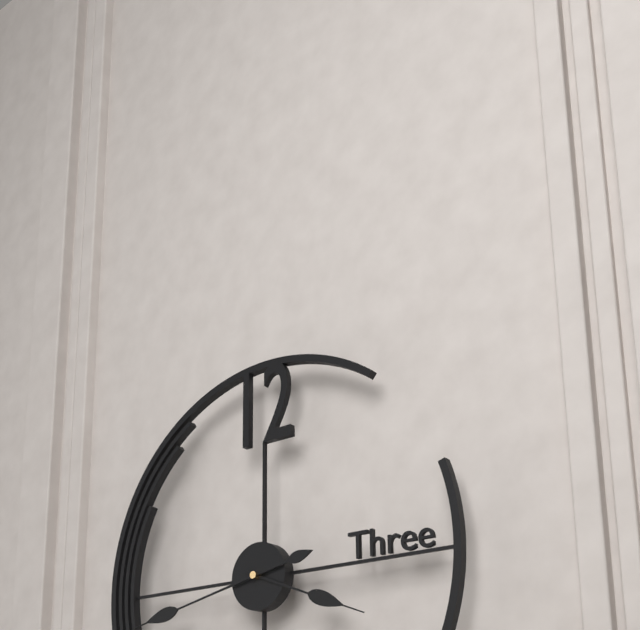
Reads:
h=3 m=43
